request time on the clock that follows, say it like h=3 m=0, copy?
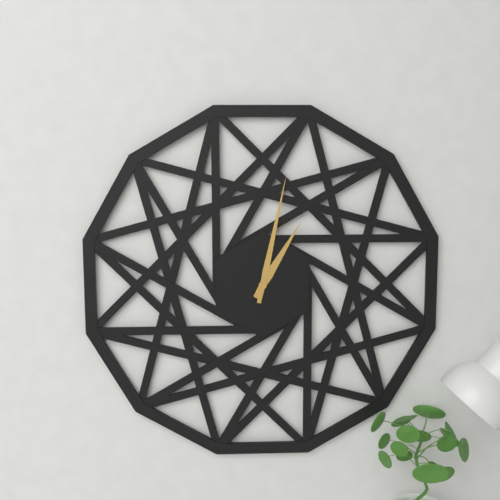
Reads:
h=1 m=2
